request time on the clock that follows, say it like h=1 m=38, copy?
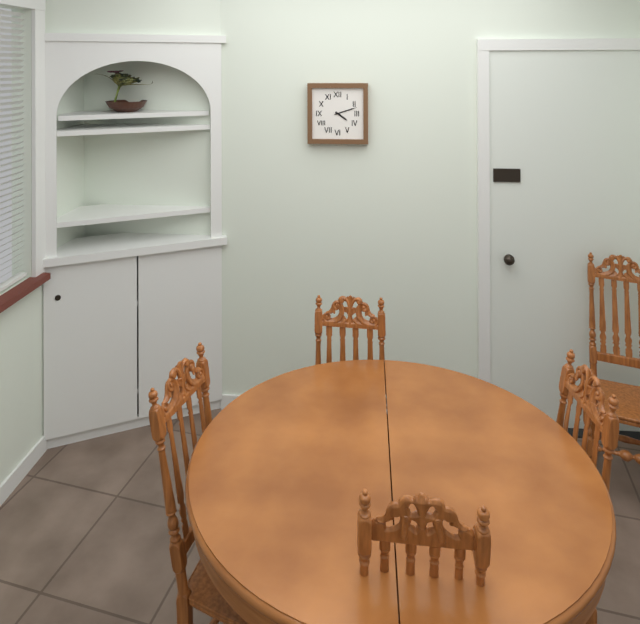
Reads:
h=4 m=12
